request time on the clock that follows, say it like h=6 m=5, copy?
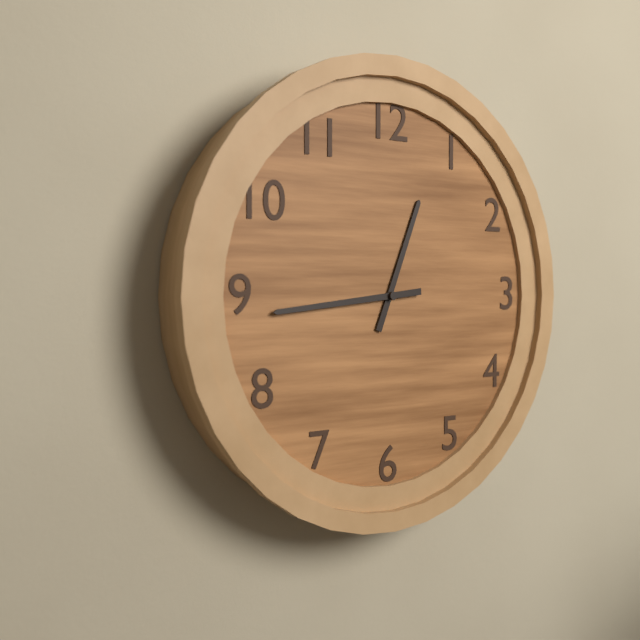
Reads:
h=12 m=44
